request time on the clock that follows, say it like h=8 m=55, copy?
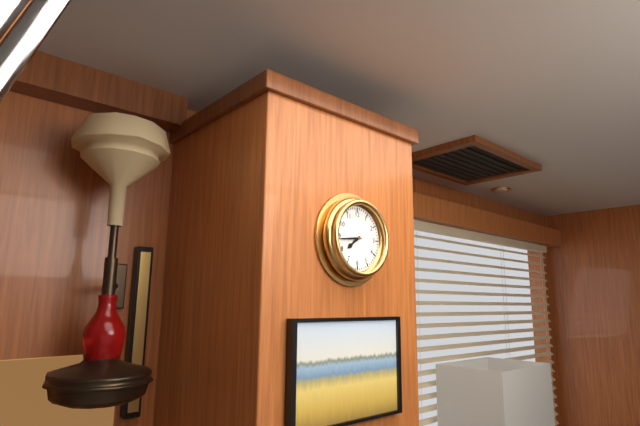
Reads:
h=7 m=44
